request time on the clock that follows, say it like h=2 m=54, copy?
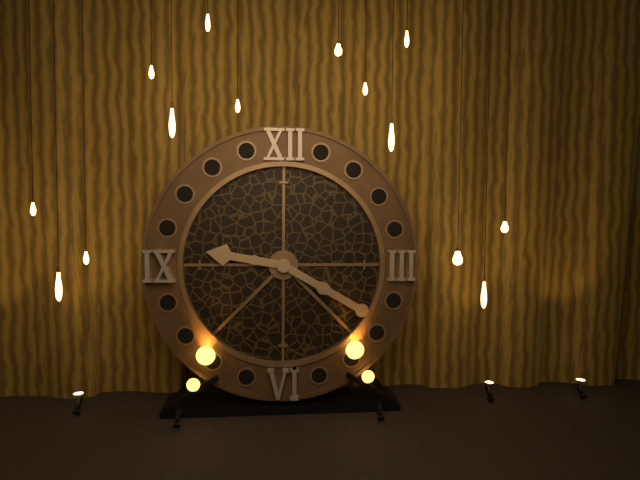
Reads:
h=9 m=20
